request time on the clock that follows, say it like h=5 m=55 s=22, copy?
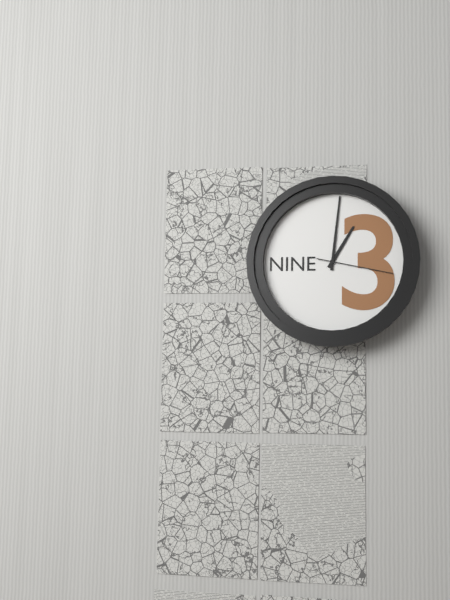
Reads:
h=1 m=1 s=17
